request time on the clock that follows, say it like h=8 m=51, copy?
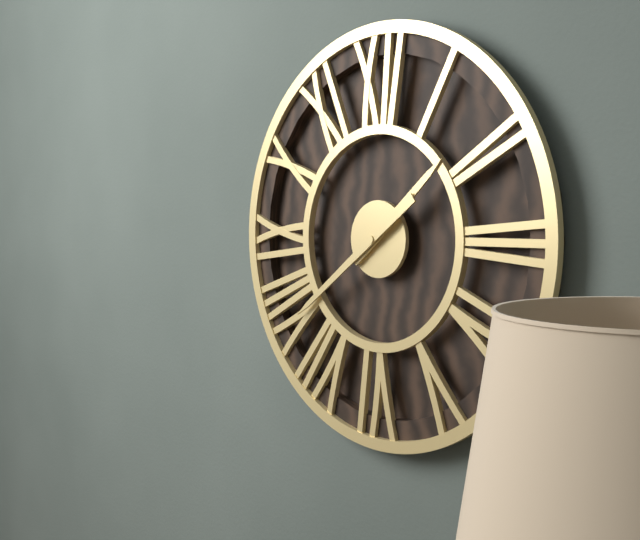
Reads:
h=1 m=39
